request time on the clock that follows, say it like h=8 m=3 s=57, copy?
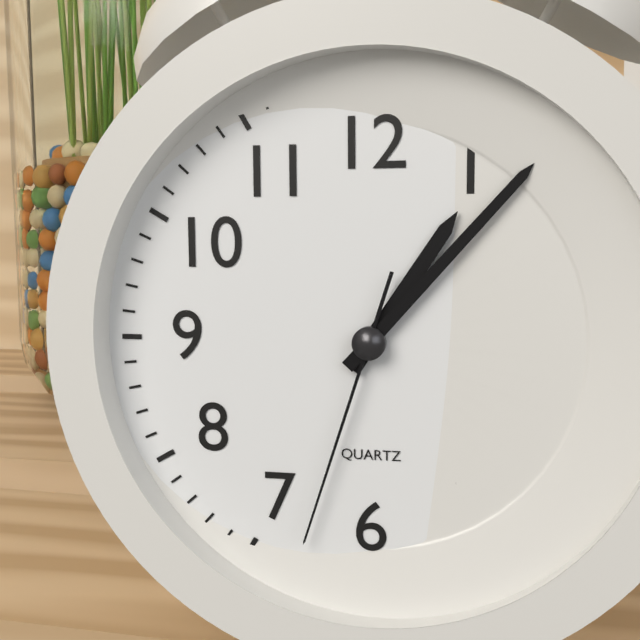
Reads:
h=1 m=7 s=33
